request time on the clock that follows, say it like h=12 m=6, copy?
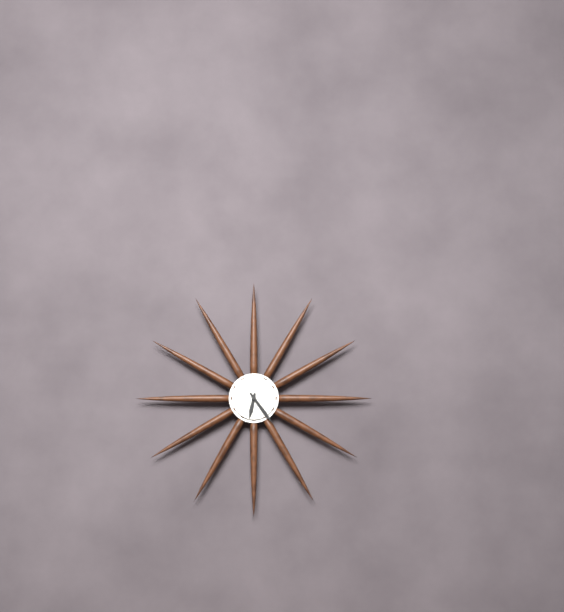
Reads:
h=6 m=24
